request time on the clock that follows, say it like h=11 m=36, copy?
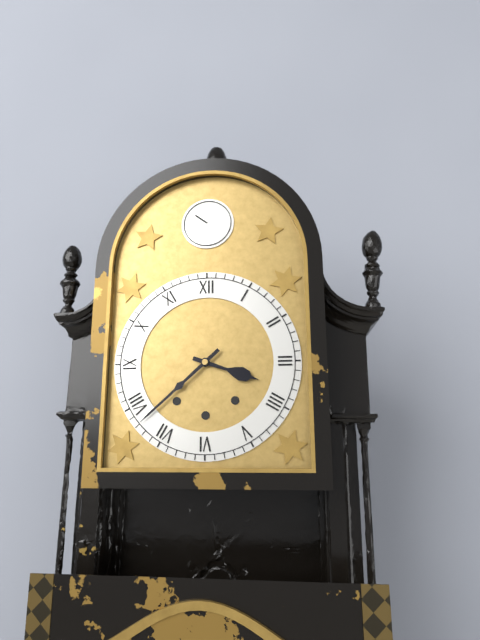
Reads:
h=3 m=38
